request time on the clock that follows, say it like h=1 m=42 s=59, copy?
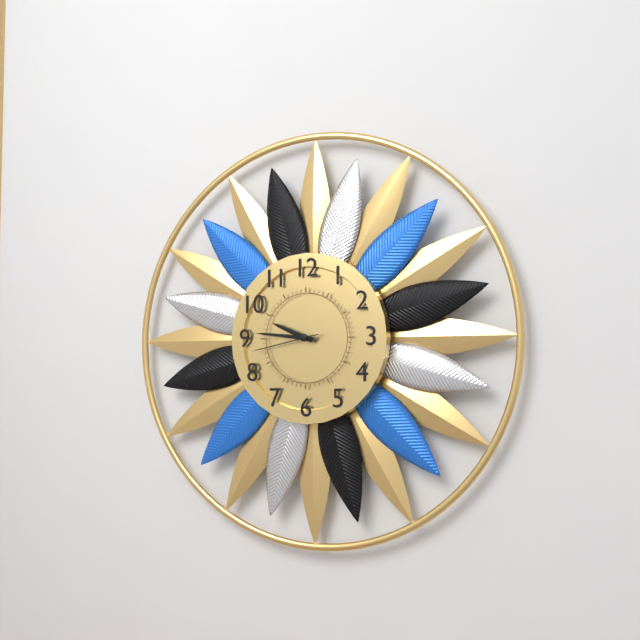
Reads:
h=9 m=46 s=43
